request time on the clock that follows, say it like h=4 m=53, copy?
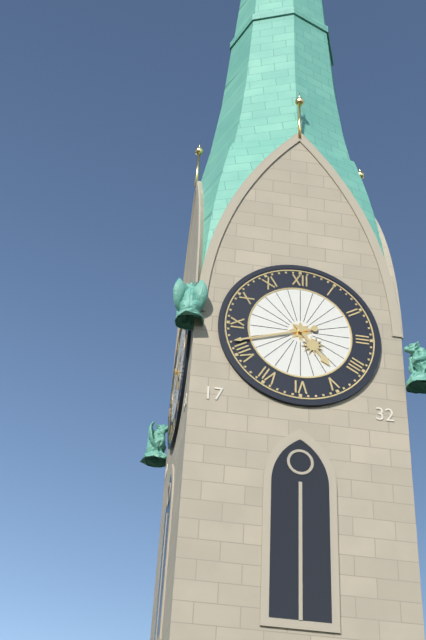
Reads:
h=4 m=42
